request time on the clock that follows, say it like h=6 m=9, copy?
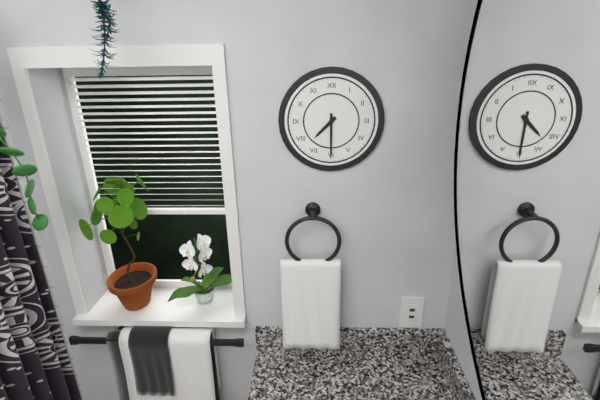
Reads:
h=7 m=30
